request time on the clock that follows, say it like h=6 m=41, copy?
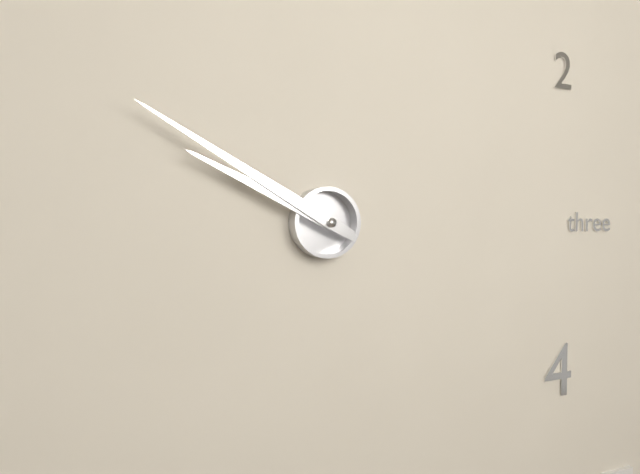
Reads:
h=9 m=50
